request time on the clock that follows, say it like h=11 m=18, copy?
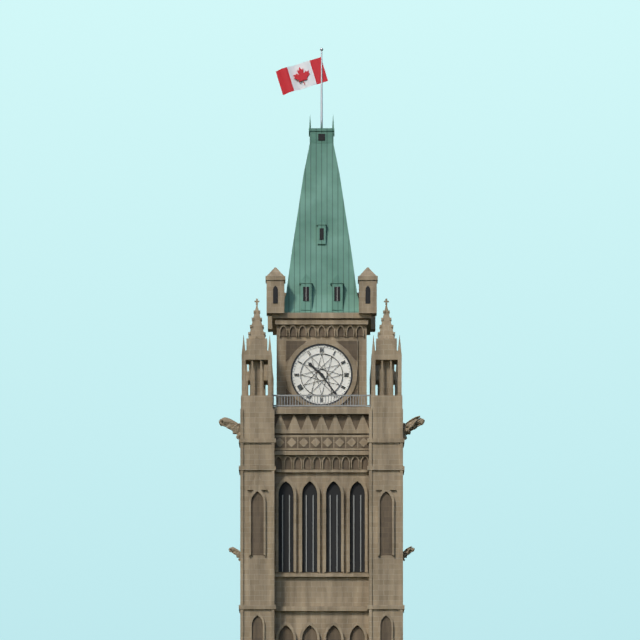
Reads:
h=10 m=24
